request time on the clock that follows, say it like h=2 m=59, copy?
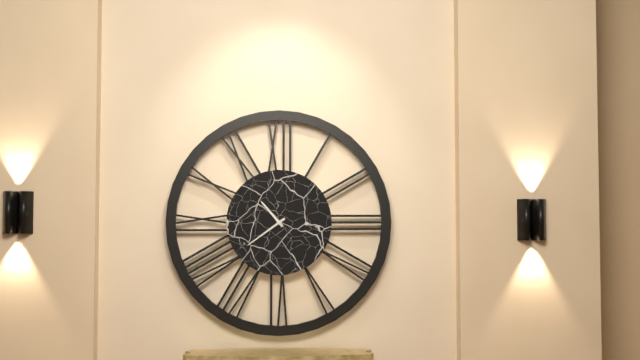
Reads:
h=10 m=39
